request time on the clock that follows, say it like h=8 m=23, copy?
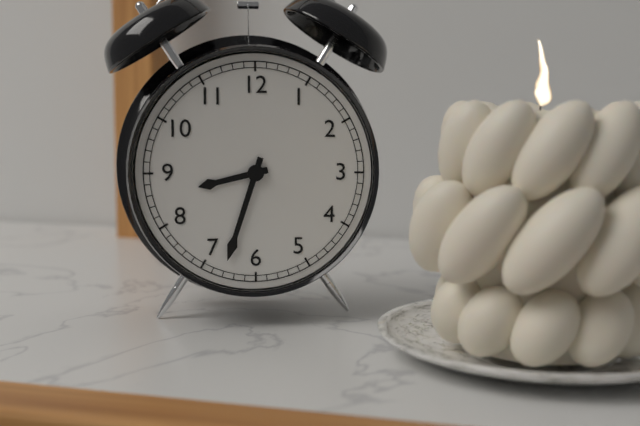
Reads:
h=8 m=33
